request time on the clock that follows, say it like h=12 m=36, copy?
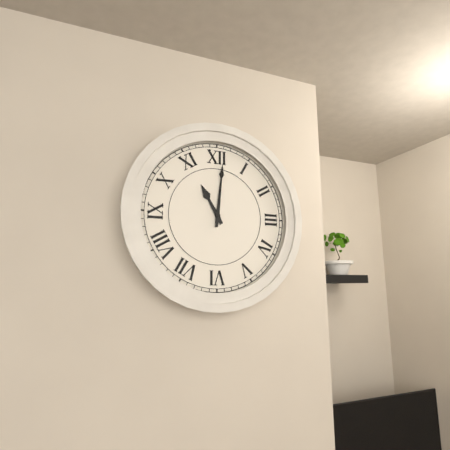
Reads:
h=11 m=1
